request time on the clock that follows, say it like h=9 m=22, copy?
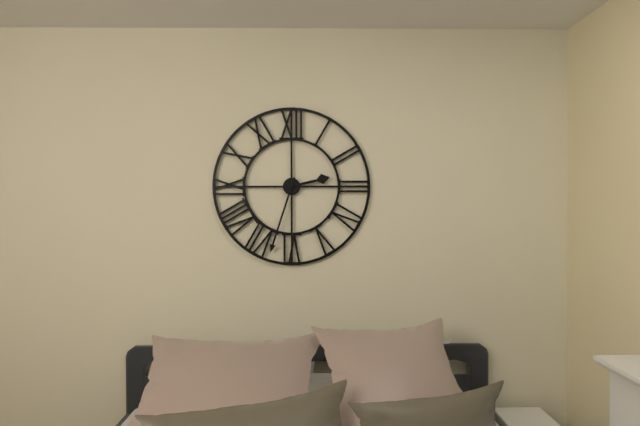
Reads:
h=2 m=33
